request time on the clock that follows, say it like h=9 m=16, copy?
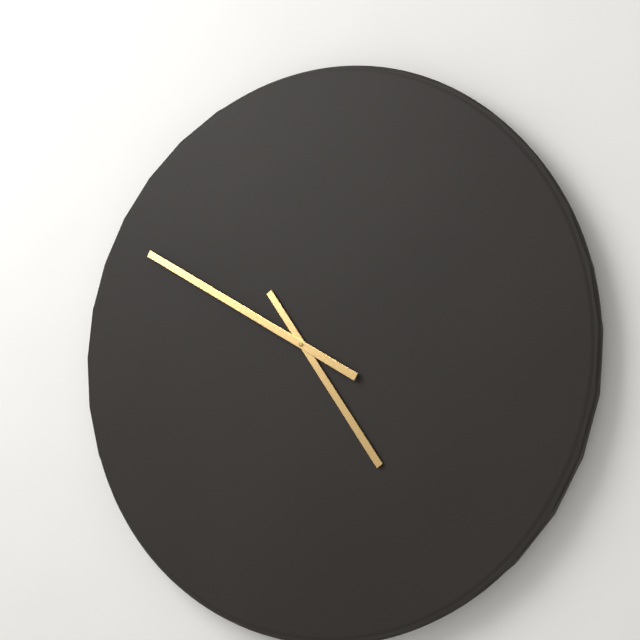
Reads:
h=4 m=50
